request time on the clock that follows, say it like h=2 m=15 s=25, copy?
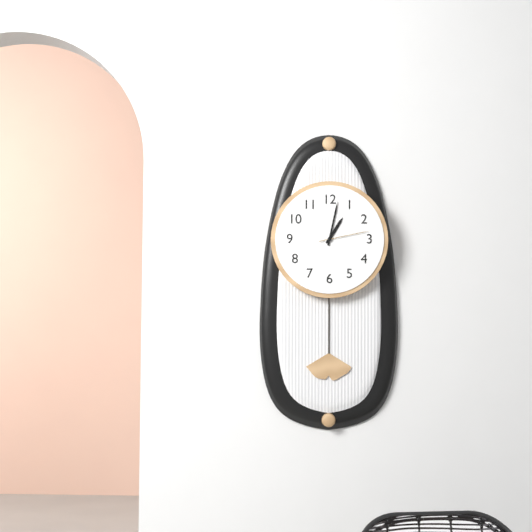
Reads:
h=1 m=2 s=13
